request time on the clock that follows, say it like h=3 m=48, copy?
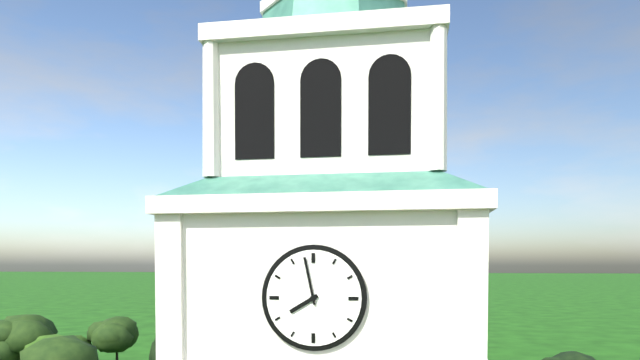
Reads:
h=7 m=58
